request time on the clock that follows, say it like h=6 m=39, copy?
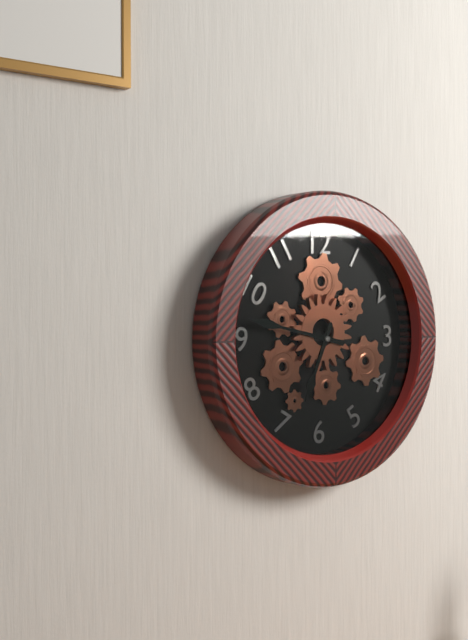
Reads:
h=6 m=47
